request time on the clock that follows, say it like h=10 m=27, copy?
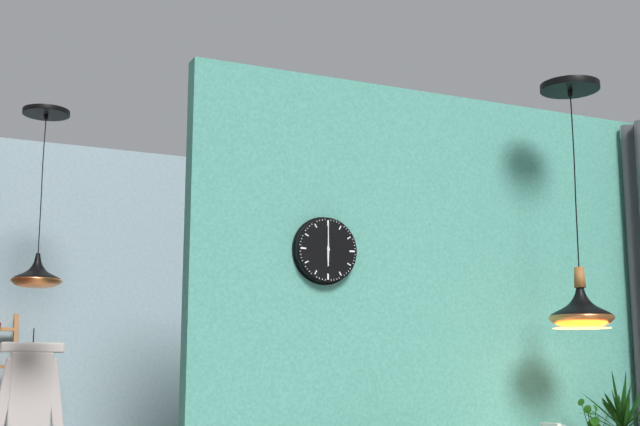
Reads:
h=6 m=0
